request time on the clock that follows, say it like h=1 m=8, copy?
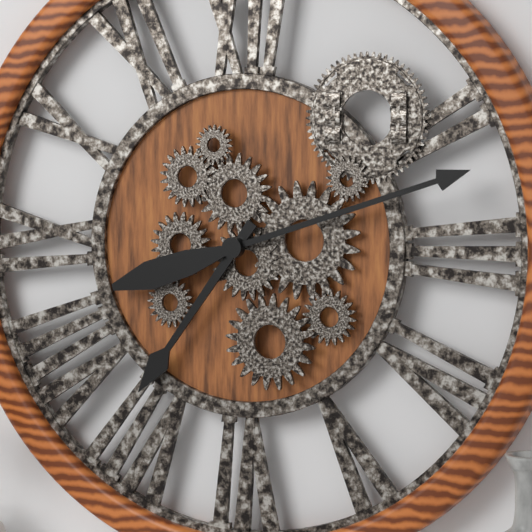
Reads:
h=7 m=12
